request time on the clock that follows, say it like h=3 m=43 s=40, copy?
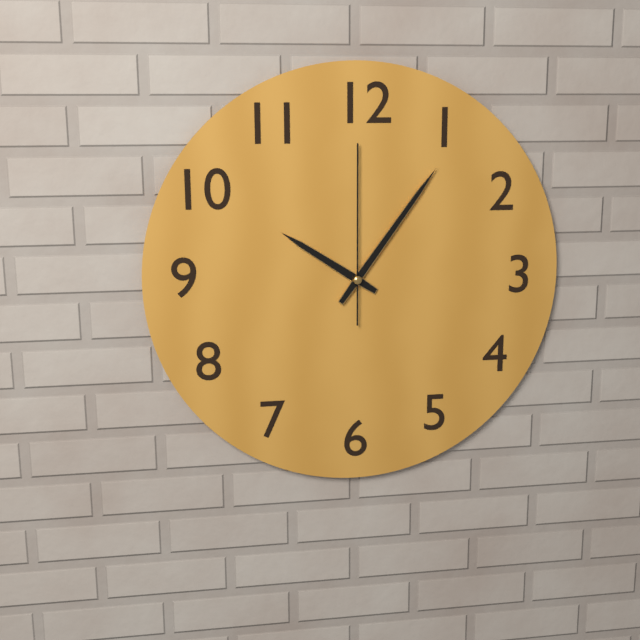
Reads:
h=10 m=6 s=0
